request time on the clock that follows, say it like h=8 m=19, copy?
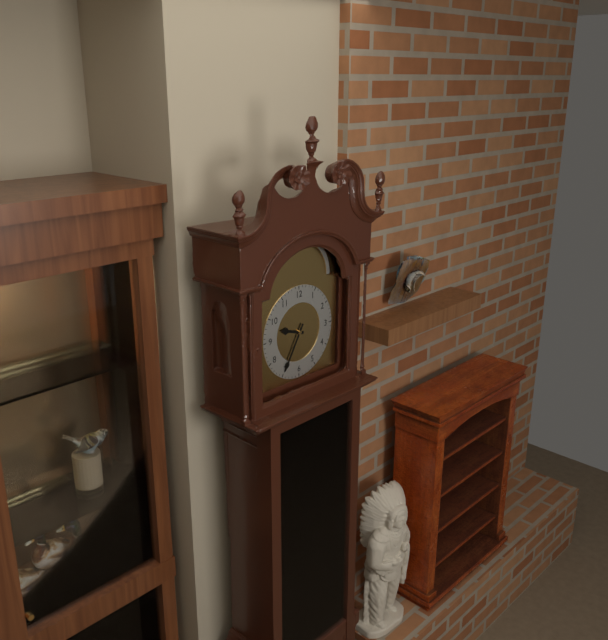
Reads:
h=9 m=35
